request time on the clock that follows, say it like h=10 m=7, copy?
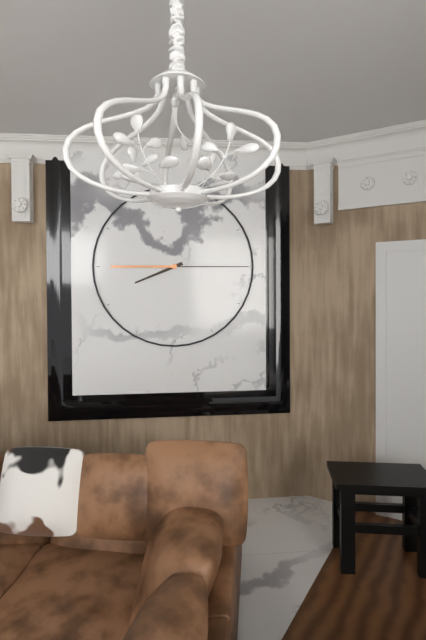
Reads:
h=8 m=15
